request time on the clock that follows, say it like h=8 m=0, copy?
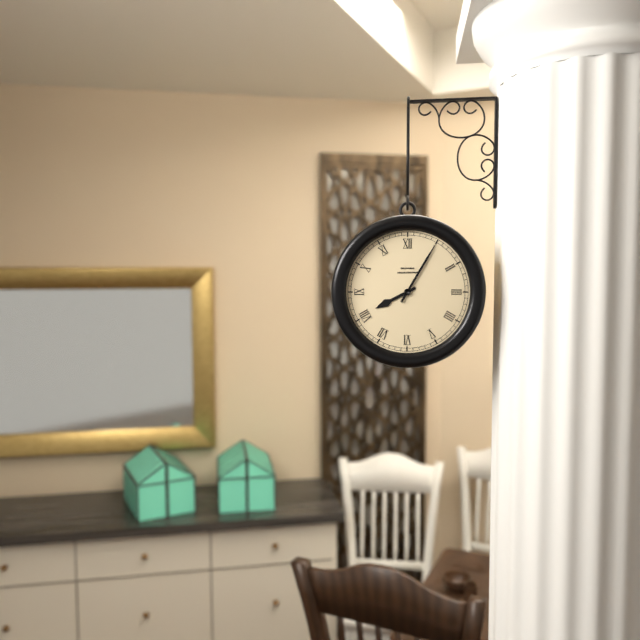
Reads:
h=8 m=5
